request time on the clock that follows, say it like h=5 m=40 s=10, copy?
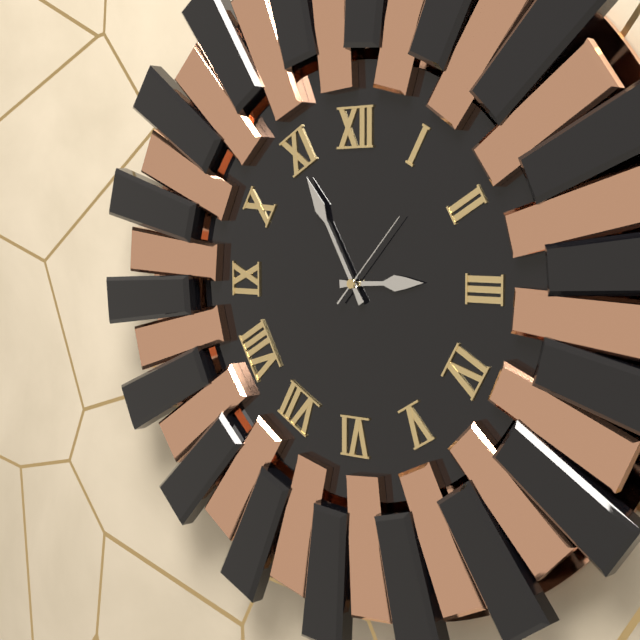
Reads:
h=2 m=55 s=7
